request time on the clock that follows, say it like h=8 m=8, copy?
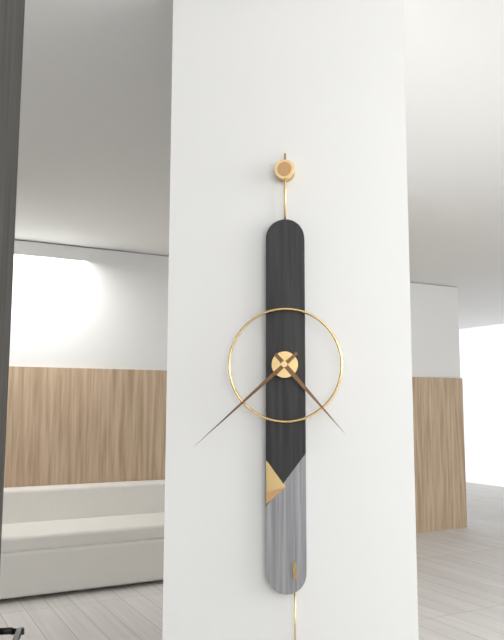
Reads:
h=4 m=38
